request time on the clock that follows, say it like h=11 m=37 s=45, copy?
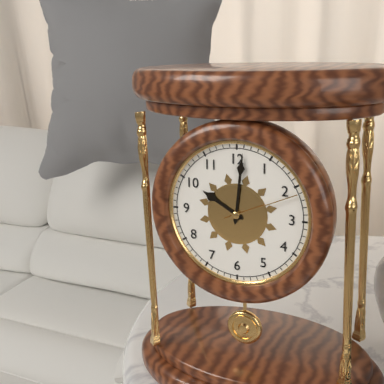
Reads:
h=10 m=1 s=11
